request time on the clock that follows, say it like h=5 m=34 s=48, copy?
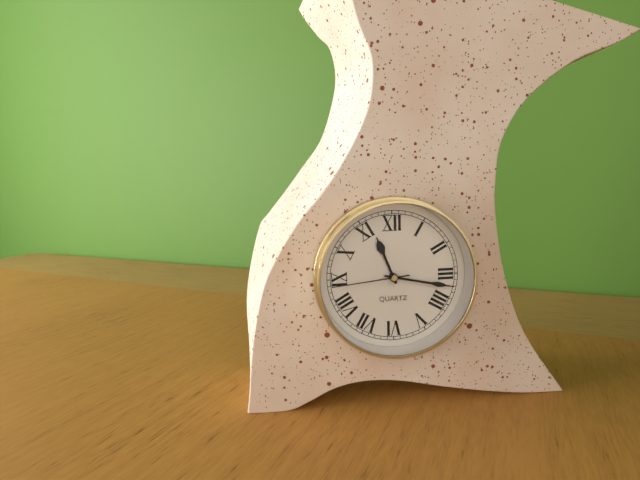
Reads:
h=11 m=17 s=44
